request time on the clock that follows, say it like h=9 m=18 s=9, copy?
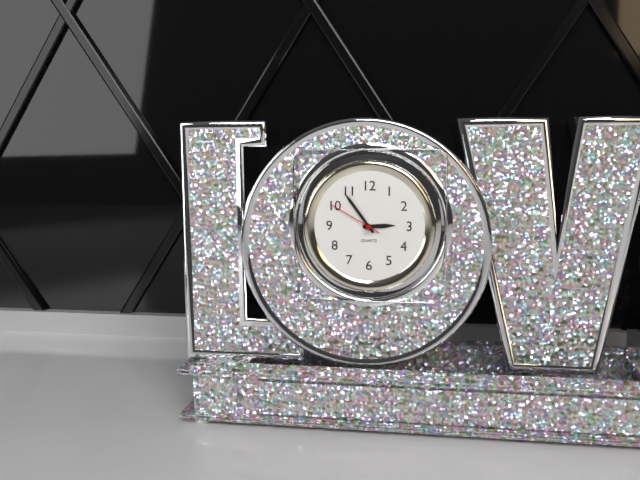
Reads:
h=2 m=54 s=50
